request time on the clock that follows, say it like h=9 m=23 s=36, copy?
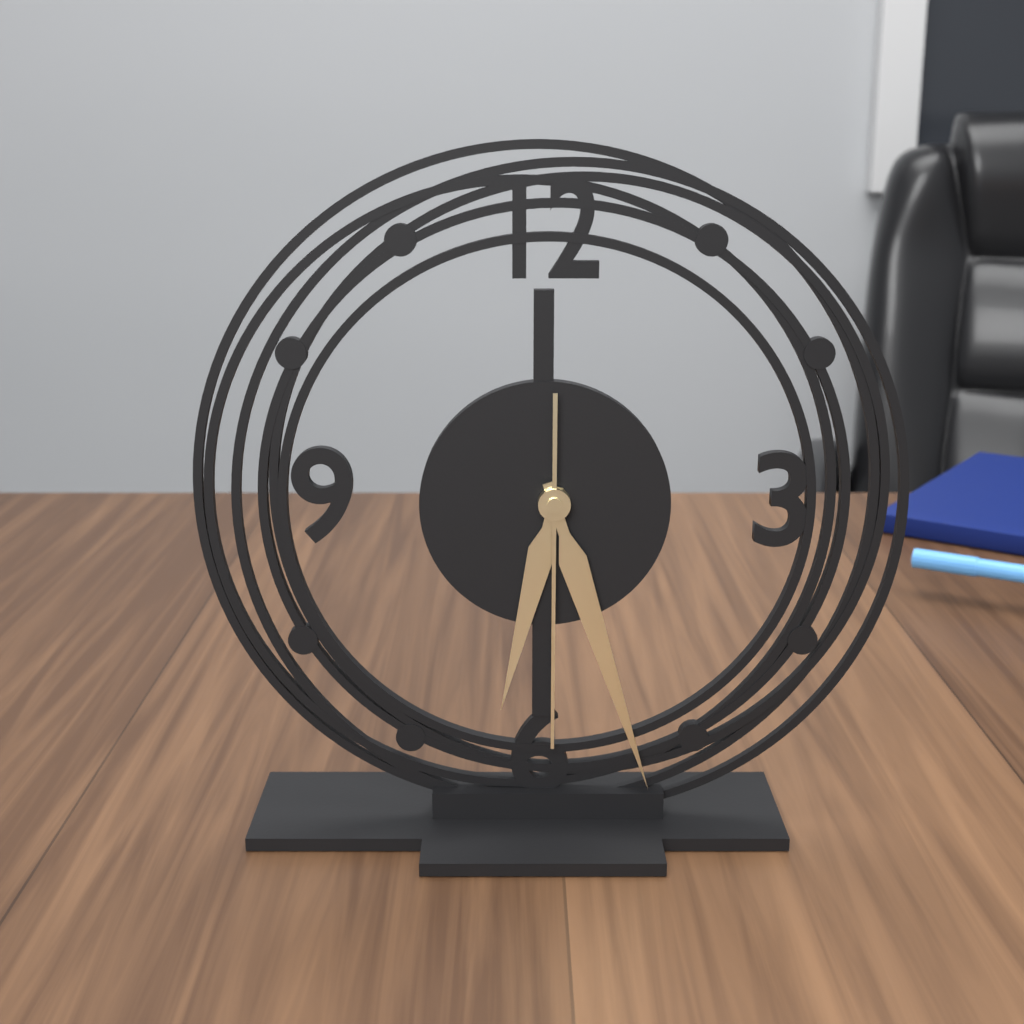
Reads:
h=6 m=27 s=30
